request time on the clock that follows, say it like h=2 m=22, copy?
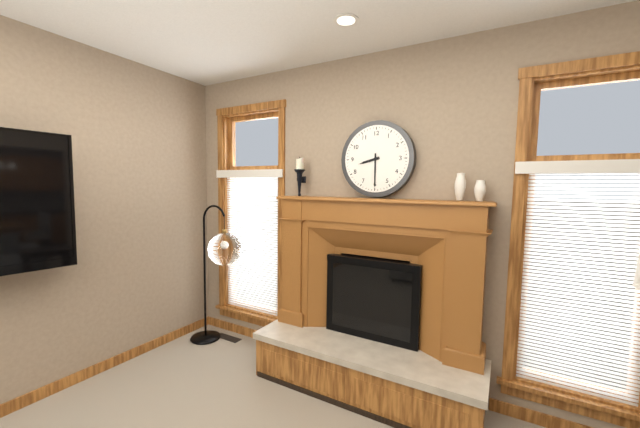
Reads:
h=8 m=30
